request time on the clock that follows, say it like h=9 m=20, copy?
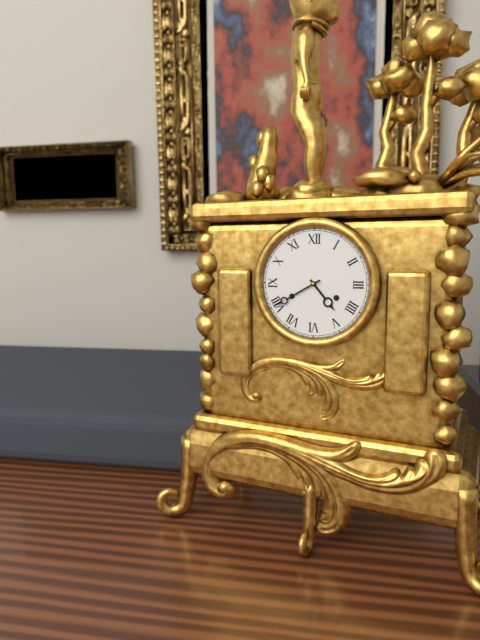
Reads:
h=4 m=40
